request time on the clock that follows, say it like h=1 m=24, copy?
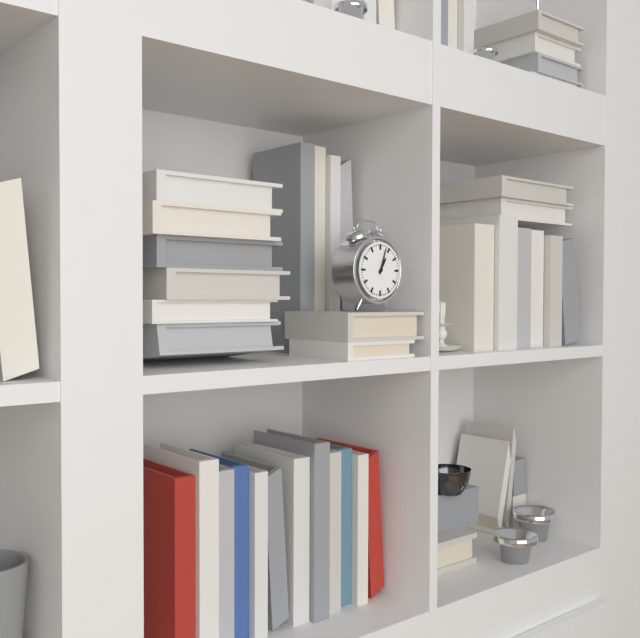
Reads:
h=1 m=3
